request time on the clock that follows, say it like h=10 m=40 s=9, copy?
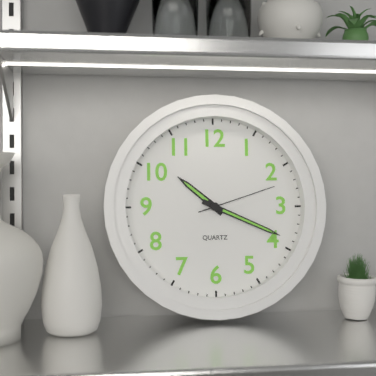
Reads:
h=10 m=19 s=12
